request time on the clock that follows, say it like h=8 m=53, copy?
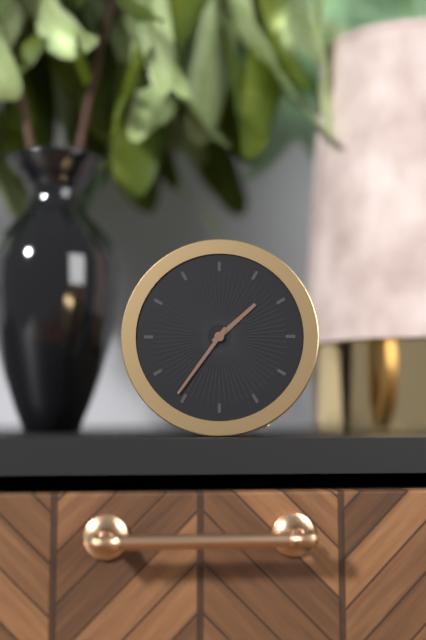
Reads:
h=1 m=36
